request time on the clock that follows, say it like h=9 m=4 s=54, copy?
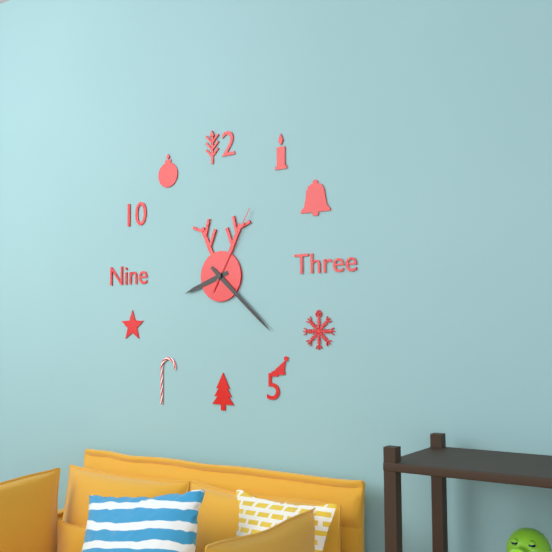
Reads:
h=8 m=22 s=5
